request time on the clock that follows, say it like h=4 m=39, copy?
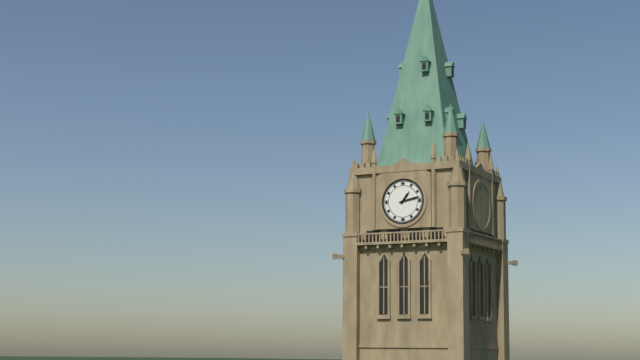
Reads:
h=1 m=13
